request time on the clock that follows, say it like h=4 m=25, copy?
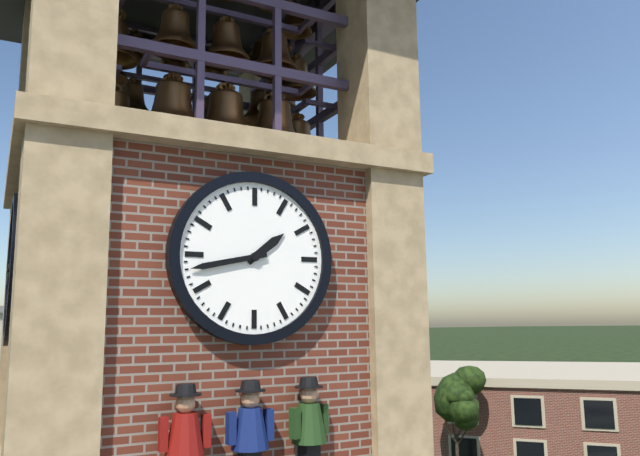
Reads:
h=1 m=43
